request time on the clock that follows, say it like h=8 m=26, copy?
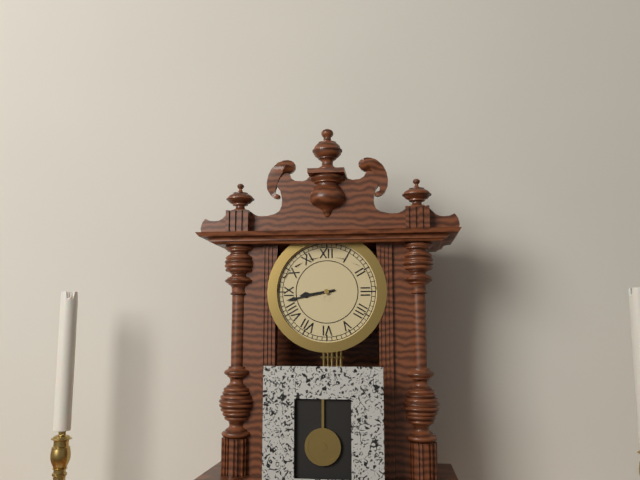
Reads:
h=8 m=43
